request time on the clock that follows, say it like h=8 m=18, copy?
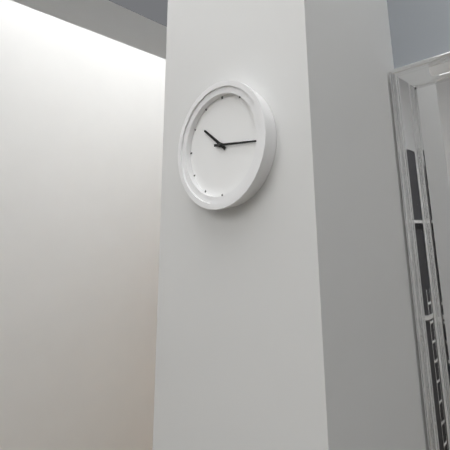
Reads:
h=10 m=16
